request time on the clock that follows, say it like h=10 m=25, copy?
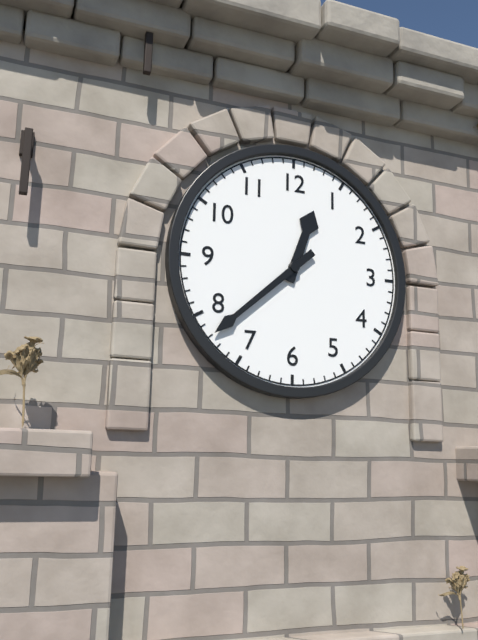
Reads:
h=12 m=38
